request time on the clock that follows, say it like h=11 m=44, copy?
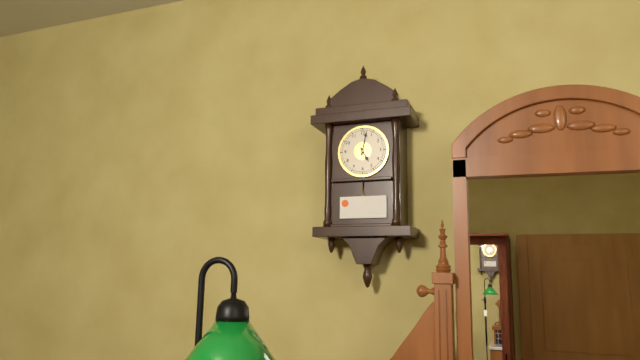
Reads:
h=5 m=2
